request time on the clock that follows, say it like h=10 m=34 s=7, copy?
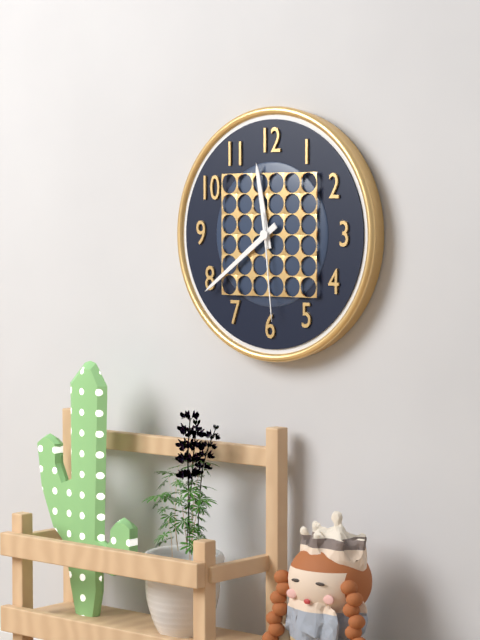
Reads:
h=11 m=39 s=29
